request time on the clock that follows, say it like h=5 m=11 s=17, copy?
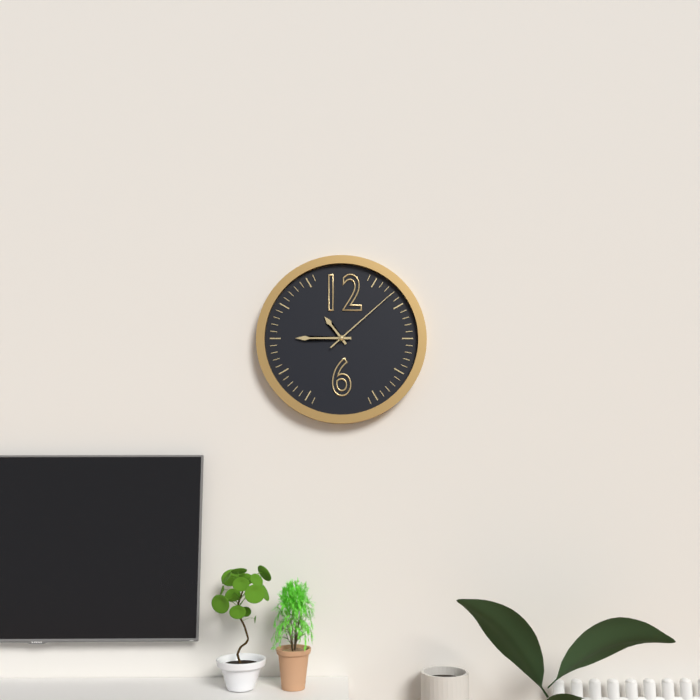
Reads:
h=10 m=45 s=8
